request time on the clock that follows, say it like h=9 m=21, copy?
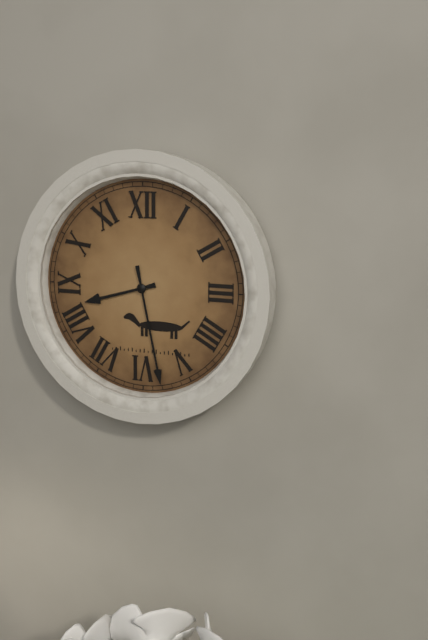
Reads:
h=8 m=28
